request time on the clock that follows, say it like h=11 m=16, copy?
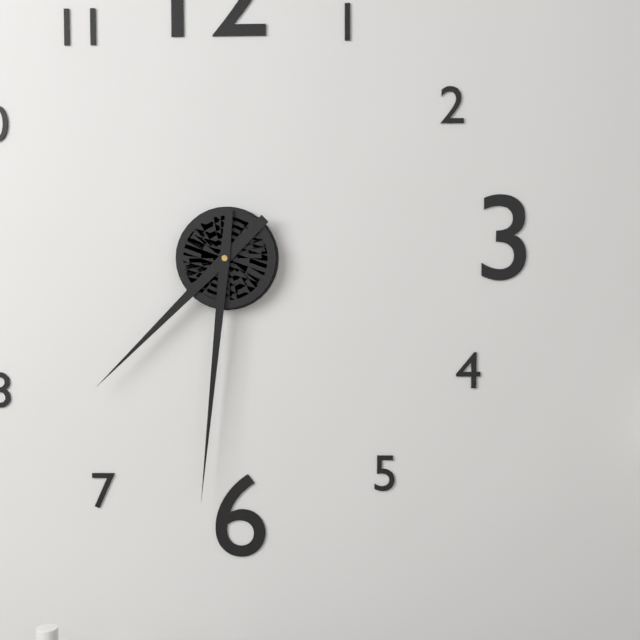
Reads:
h=7 m=31
